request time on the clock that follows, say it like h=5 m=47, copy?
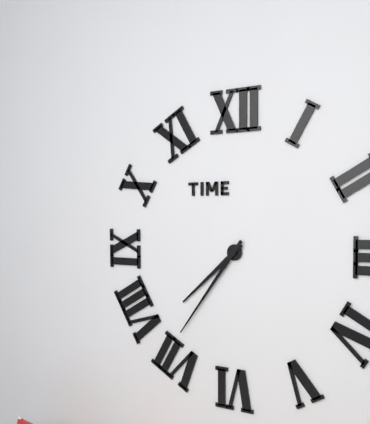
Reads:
h=7 m=36
